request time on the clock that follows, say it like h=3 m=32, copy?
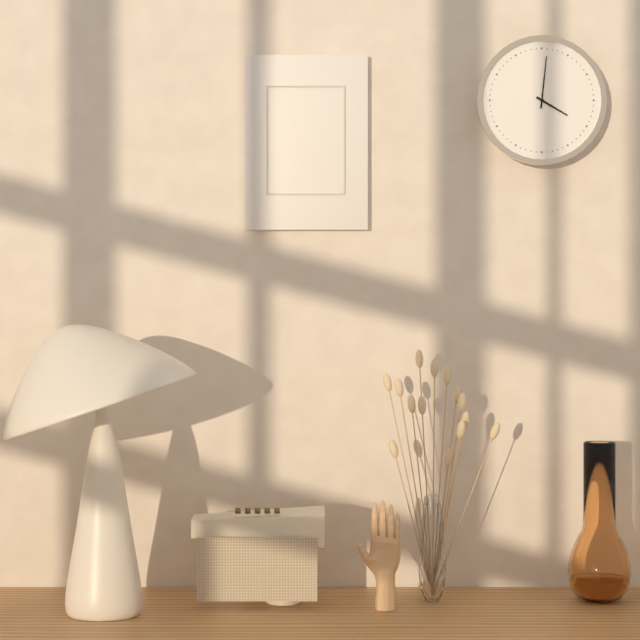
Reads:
h=4 m=1
